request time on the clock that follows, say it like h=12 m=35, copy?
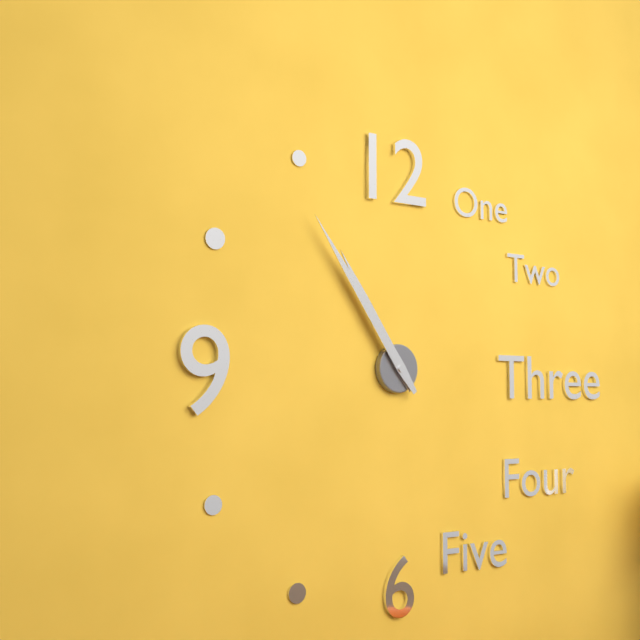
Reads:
h=10 m=54
